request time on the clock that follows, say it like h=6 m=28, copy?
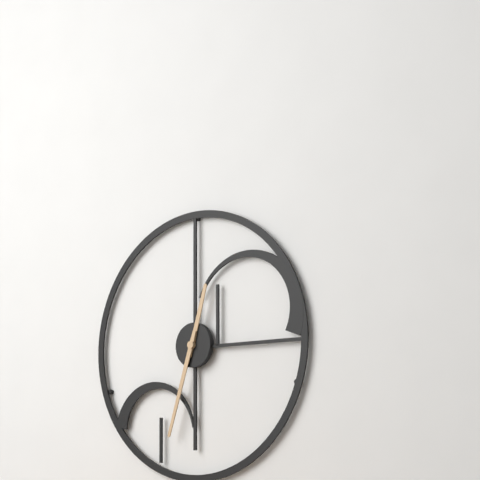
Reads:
h=12 m=33
